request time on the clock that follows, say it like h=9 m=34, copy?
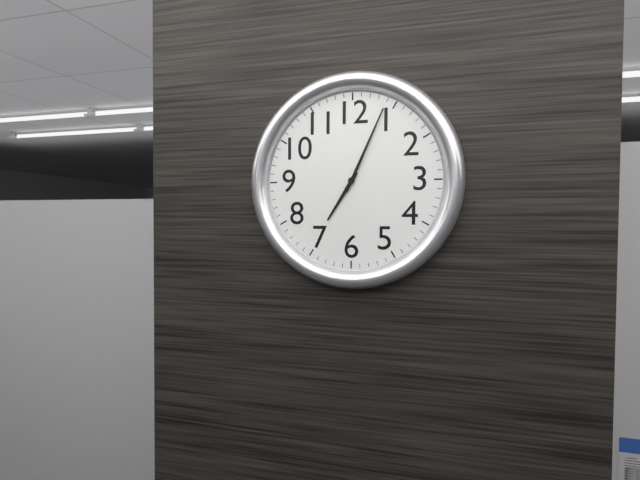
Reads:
h=7 m=4
